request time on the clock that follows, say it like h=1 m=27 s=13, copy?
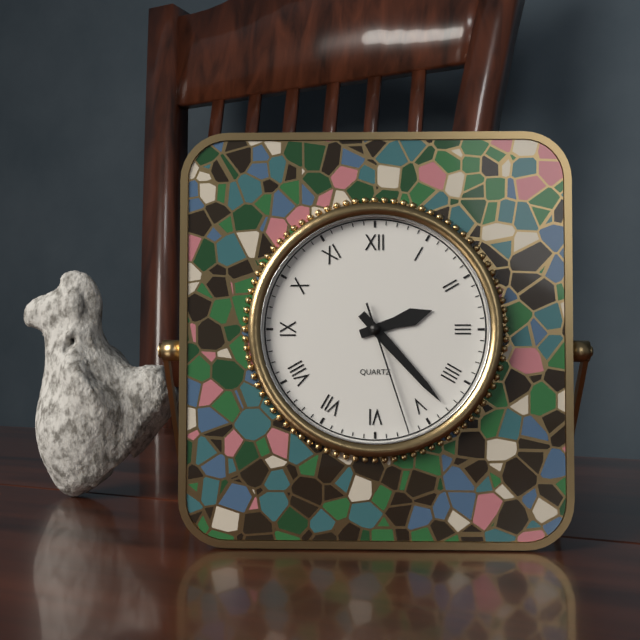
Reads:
h=2 m=23 s=27
